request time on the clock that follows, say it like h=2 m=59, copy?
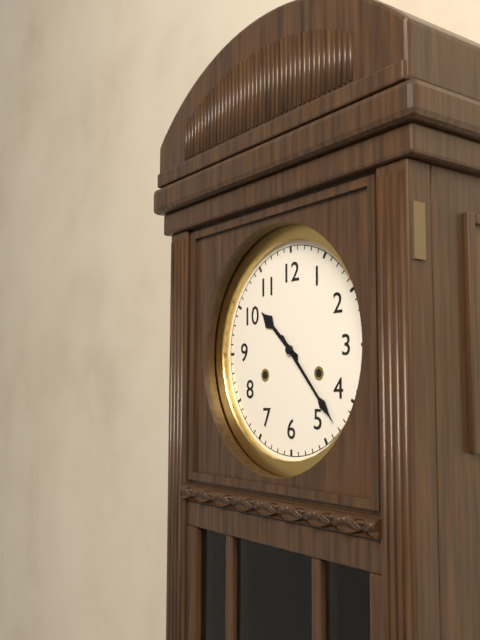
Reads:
h=10 m=23
